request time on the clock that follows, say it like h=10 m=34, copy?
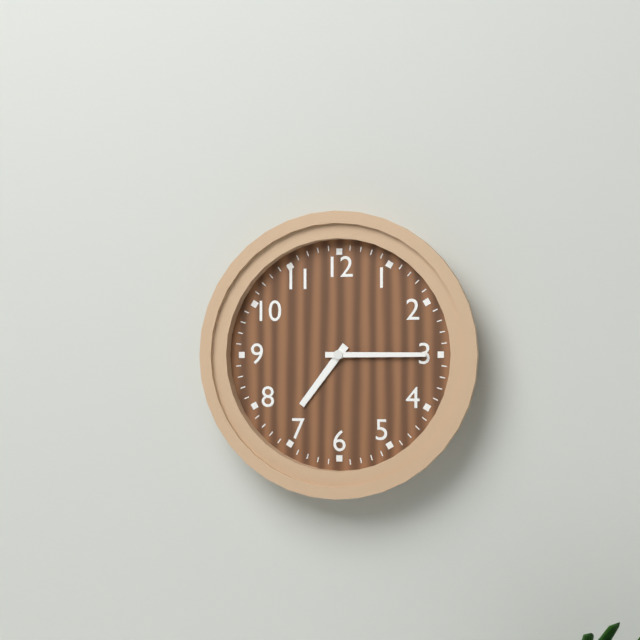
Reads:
h=7 m=15
